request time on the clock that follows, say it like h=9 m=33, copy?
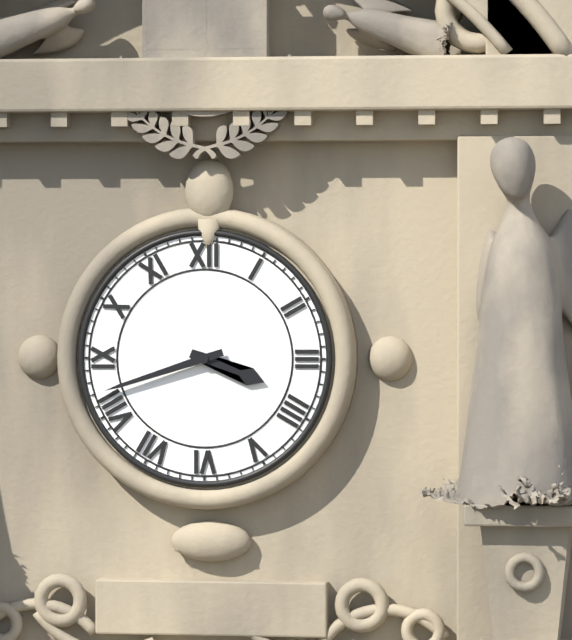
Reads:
h=3 m=42
